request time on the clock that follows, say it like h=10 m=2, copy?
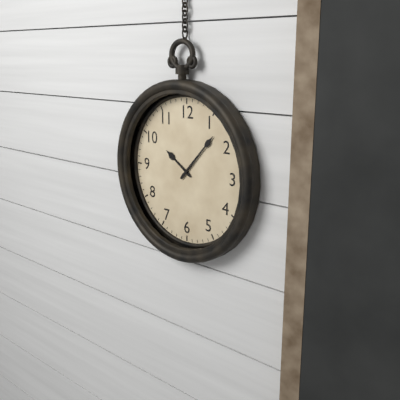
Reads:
h=10 m=7
